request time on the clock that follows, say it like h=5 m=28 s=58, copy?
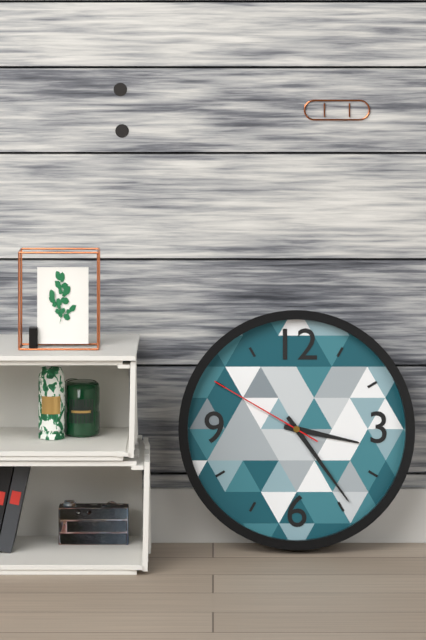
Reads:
h=3 m=24 s=50
